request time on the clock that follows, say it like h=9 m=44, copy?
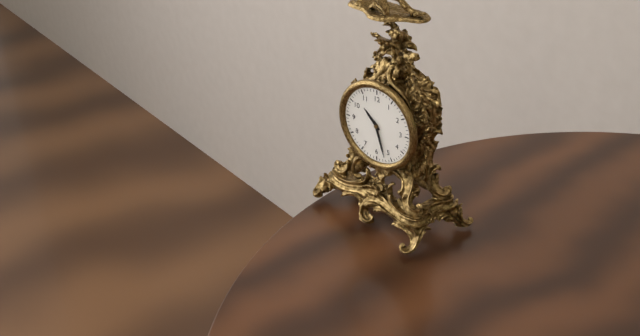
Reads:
h=10 m=27
